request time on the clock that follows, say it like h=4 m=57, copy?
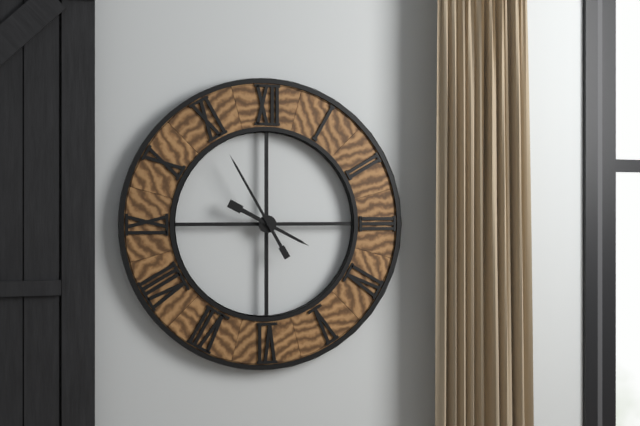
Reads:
h=3 m=55
